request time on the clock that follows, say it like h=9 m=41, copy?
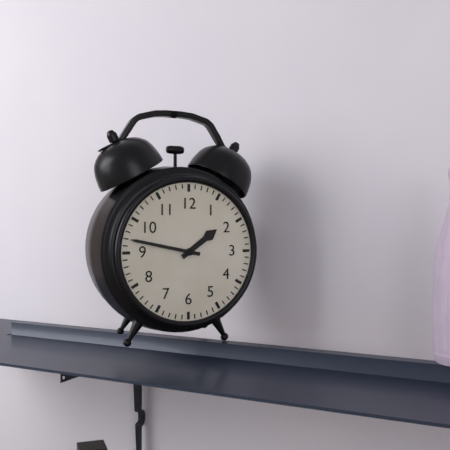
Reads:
h=1 m=47
